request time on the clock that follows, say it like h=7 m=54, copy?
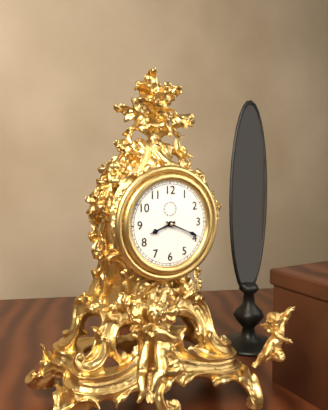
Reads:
h=8 m=19
